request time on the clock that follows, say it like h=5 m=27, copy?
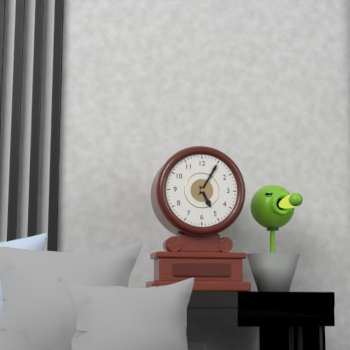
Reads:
h=5 m=5
